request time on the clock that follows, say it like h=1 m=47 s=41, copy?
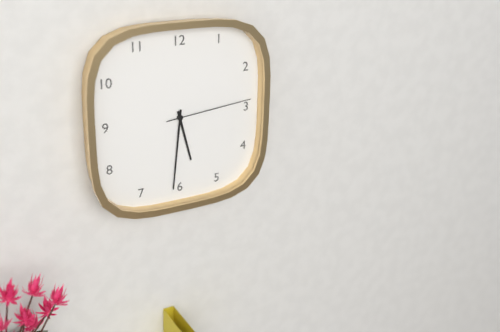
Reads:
h=5 m=31 s=14
